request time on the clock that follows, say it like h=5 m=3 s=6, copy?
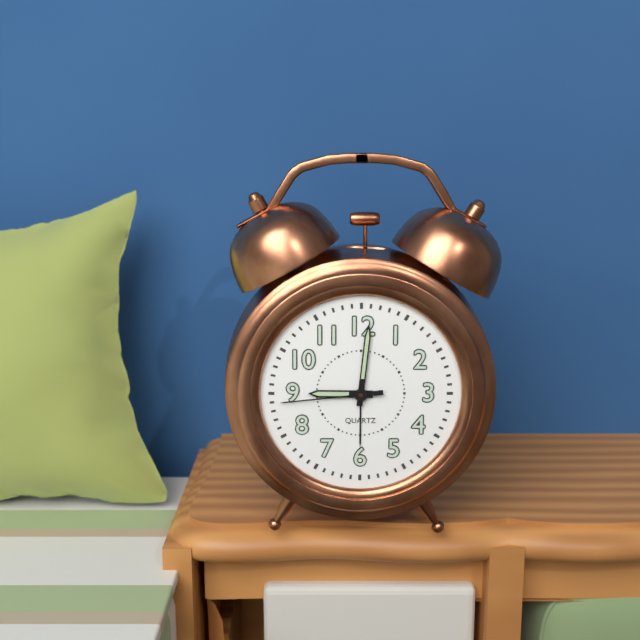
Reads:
h=9 m=1 s=44
